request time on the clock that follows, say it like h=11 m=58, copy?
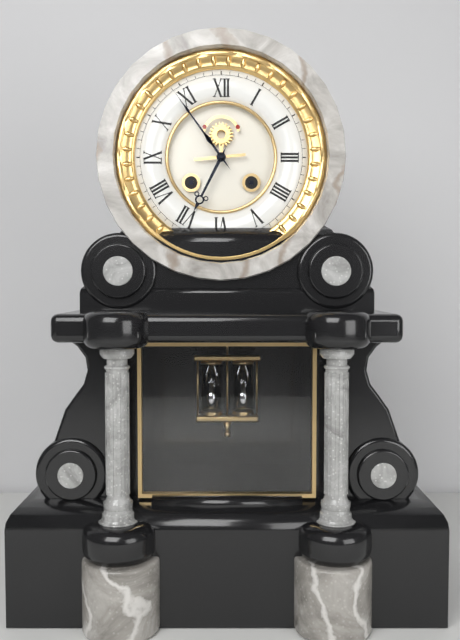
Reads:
h=6 m=54
